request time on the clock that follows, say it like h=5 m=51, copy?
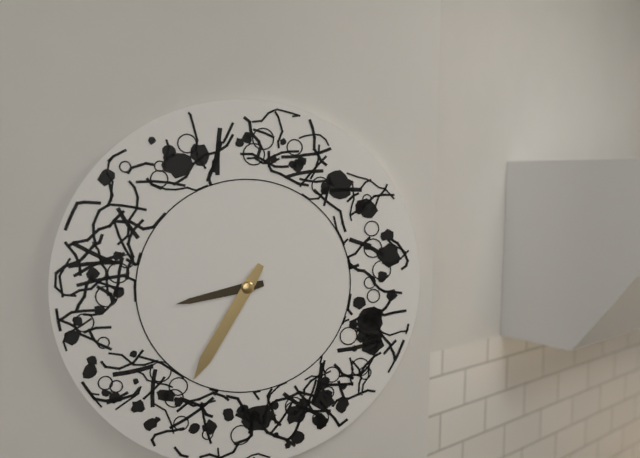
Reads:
h=8 m=35
